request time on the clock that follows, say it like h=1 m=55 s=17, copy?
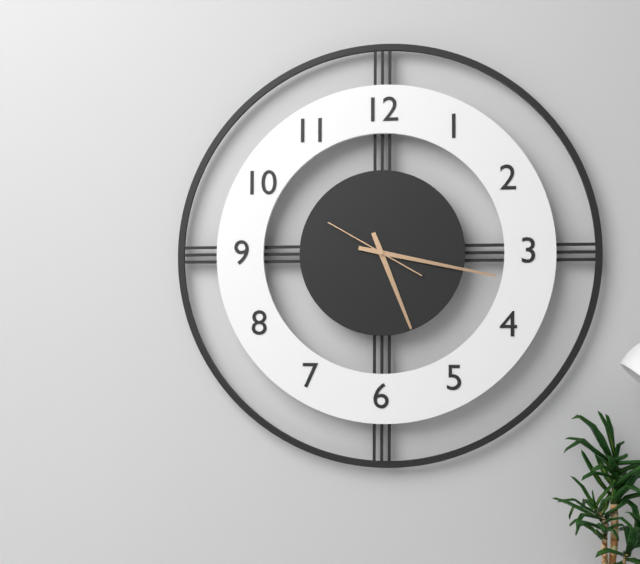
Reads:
h=5 m=17 s=50
